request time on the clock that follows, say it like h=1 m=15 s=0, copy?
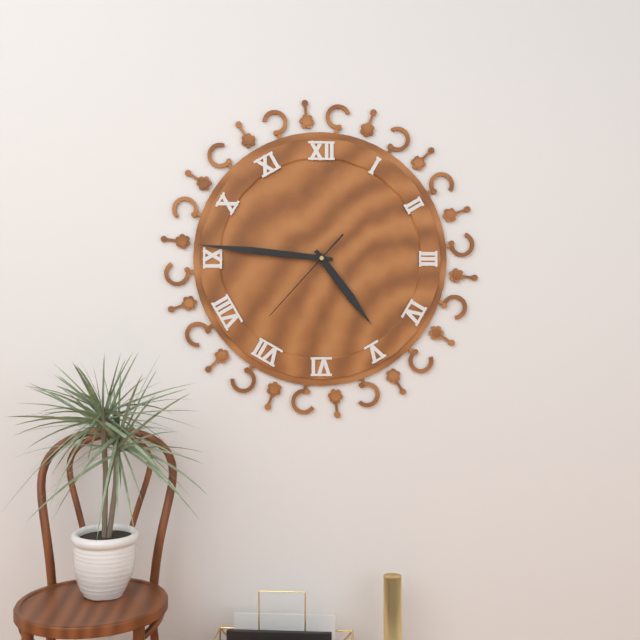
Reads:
h=4 m=46 s=37
